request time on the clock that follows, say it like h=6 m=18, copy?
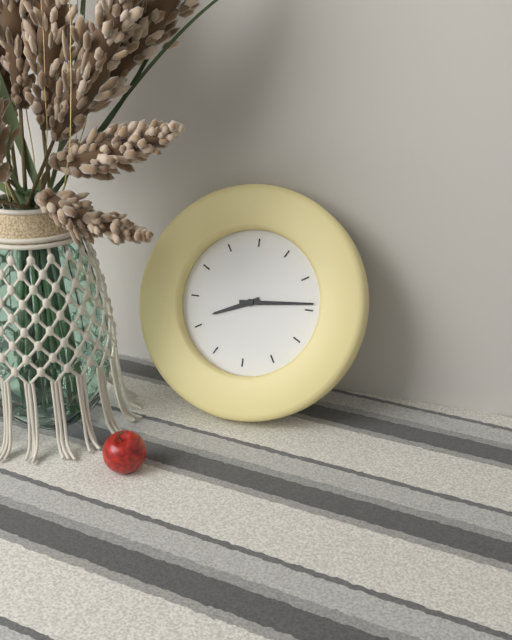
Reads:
h=8 m=14
